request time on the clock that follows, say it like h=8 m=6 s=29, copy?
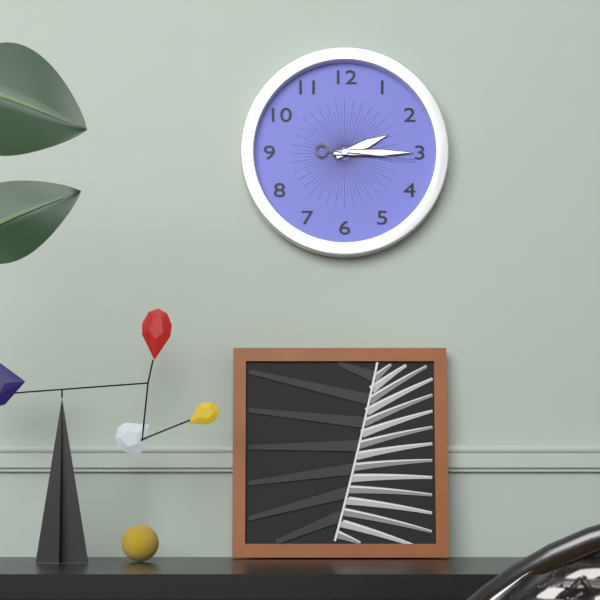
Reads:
h=2 m=15 s=16
